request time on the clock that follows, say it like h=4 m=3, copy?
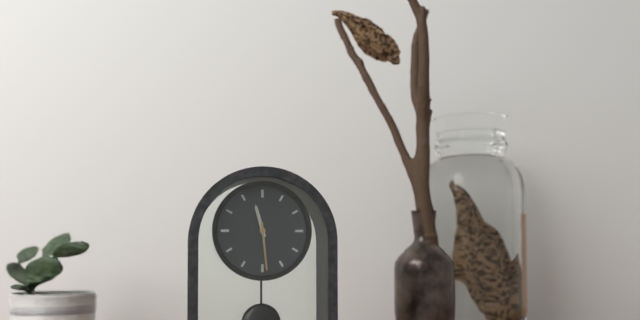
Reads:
h=11 m=29
